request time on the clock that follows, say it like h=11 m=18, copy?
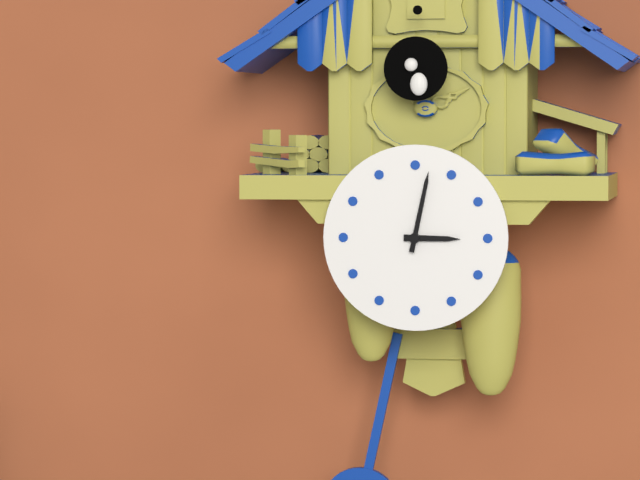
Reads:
h=3 m=2
